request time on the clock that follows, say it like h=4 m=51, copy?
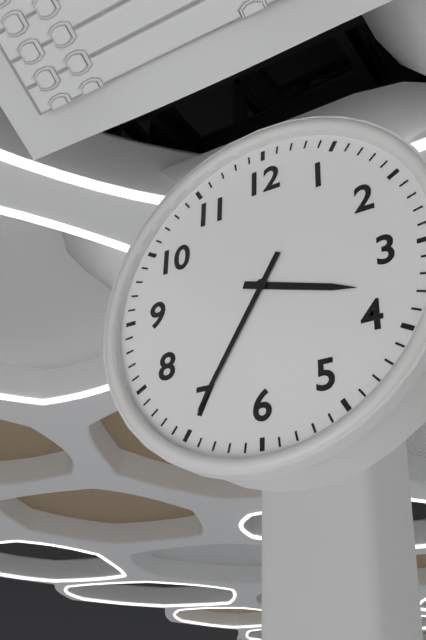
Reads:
h=3 m=35
